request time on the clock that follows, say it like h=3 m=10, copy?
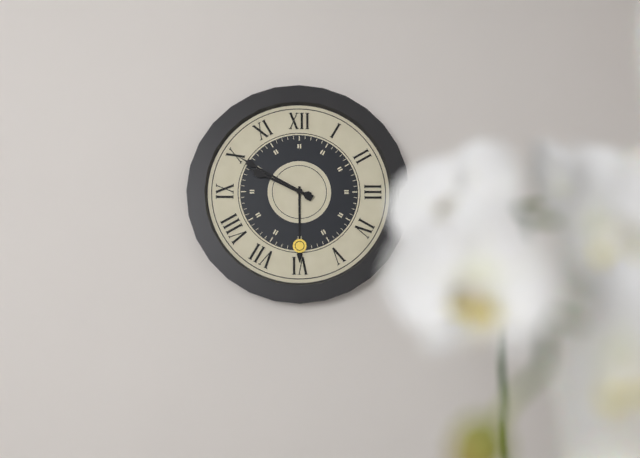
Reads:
h=9 m=50
